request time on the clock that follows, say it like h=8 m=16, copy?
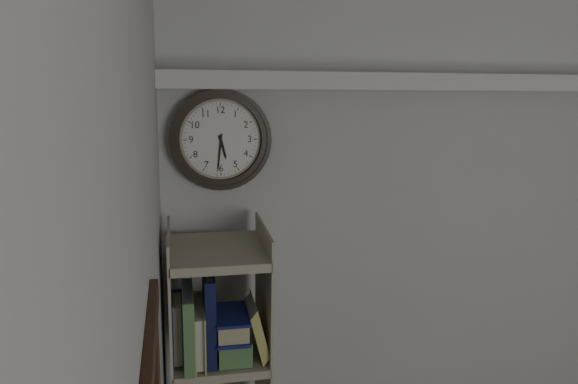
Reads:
h=5 m=31
